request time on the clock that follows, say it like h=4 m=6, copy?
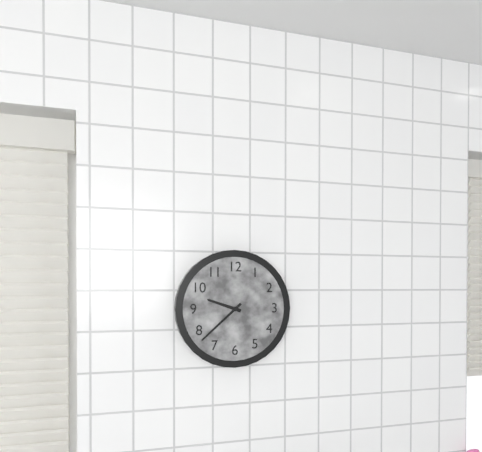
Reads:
h=9 m=38
